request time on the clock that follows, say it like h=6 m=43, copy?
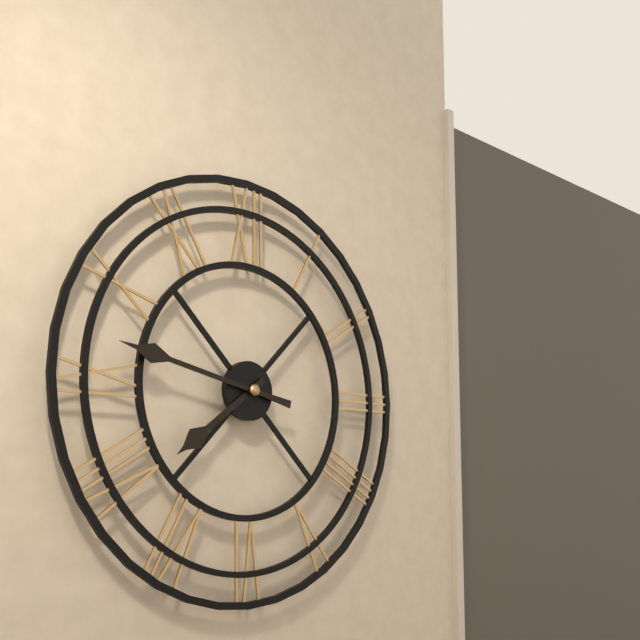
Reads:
h=7 m=47
